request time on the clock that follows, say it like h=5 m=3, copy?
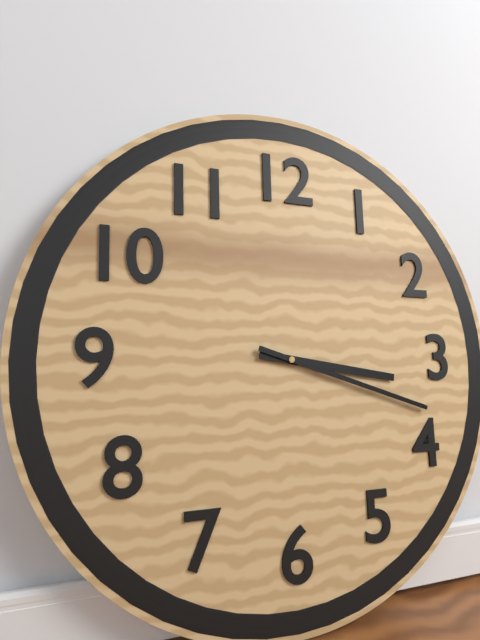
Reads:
h=3 m=18
